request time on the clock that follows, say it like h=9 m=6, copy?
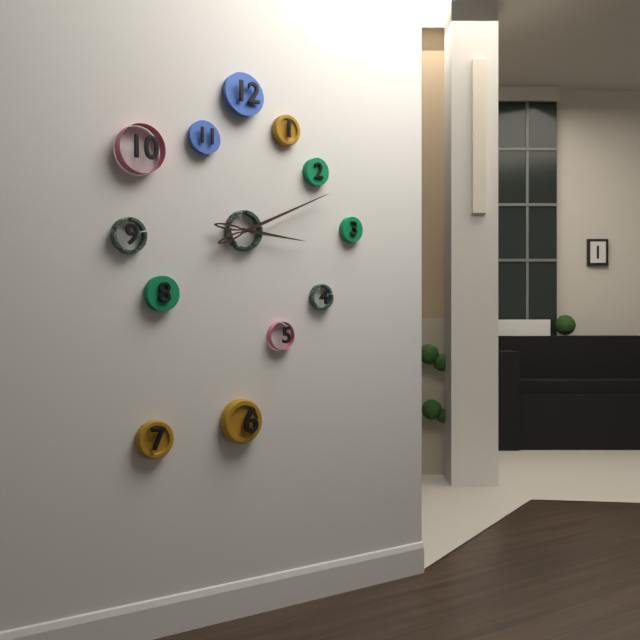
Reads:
h=3 m=11
